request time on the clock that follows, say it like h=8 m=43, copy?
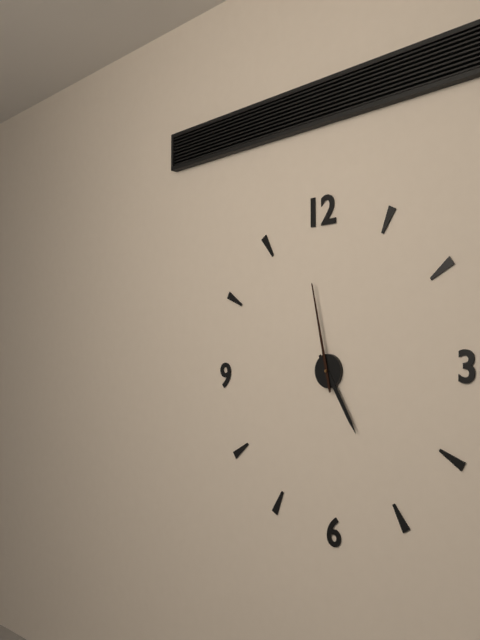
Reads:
h=4 m=58
